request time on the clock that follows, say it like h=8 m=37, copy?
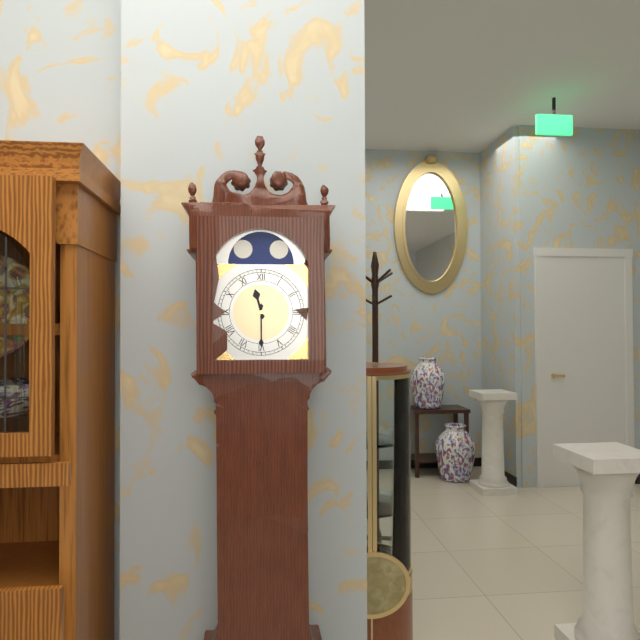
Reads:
h=11 m=30
